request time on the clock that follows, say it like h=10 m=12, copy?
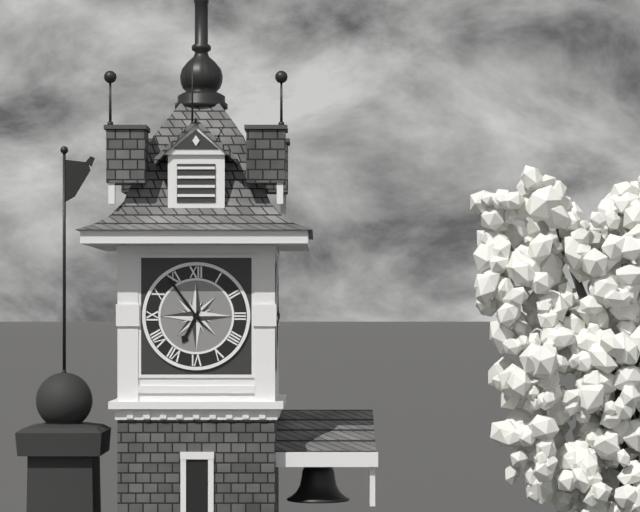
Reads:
h=6 m=54
